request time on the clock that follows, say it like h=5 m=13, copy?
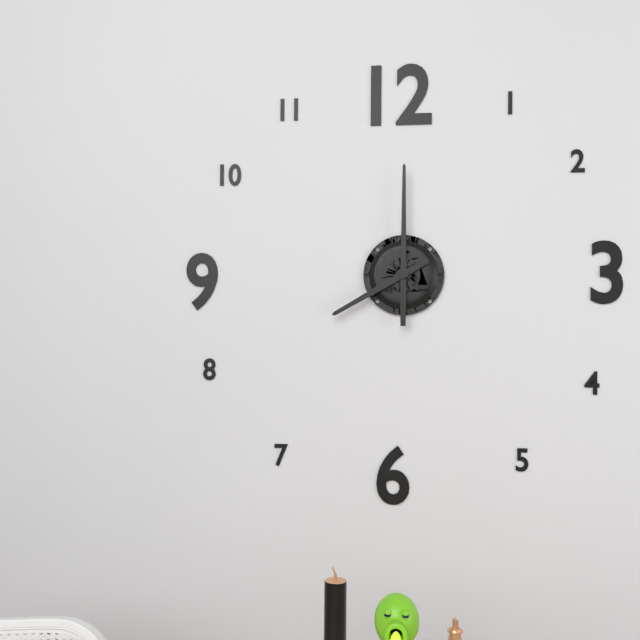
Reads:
h=8 m=0
